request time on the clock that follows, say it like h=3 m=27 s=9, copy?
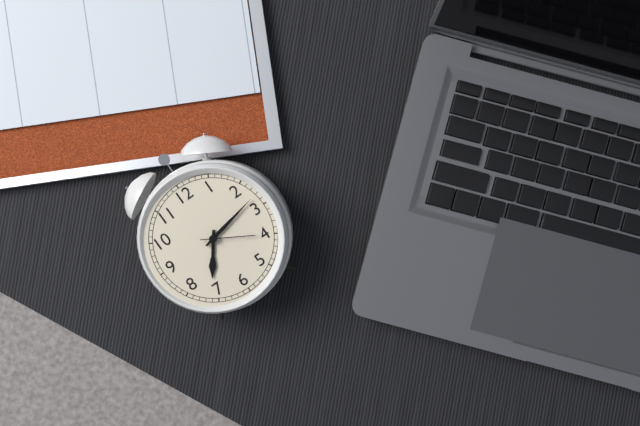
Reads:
h=7 m=13 s=20
